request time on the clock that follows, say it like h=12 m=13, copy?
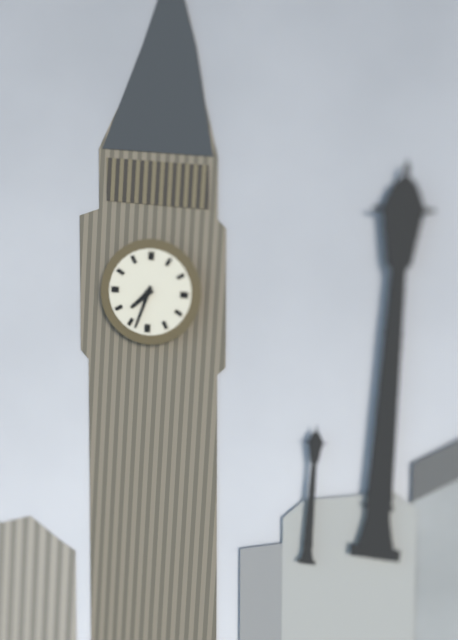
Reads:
h=7 m=33
